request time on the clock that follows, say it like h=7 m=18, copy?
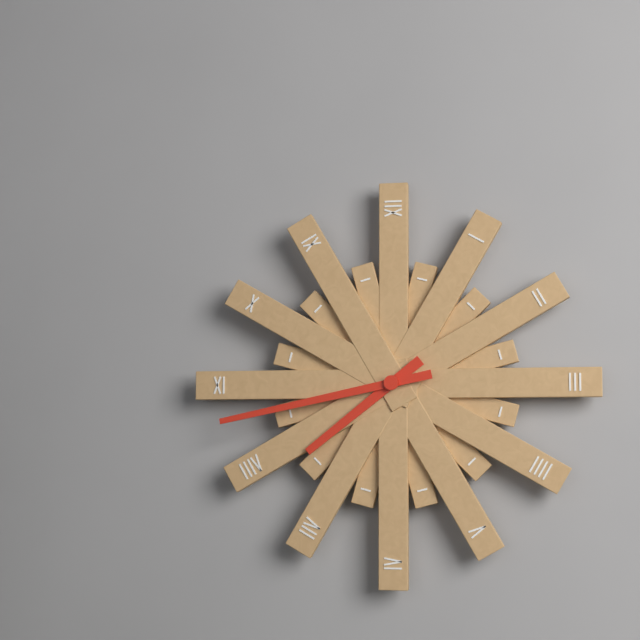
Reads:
h=7 m=43
